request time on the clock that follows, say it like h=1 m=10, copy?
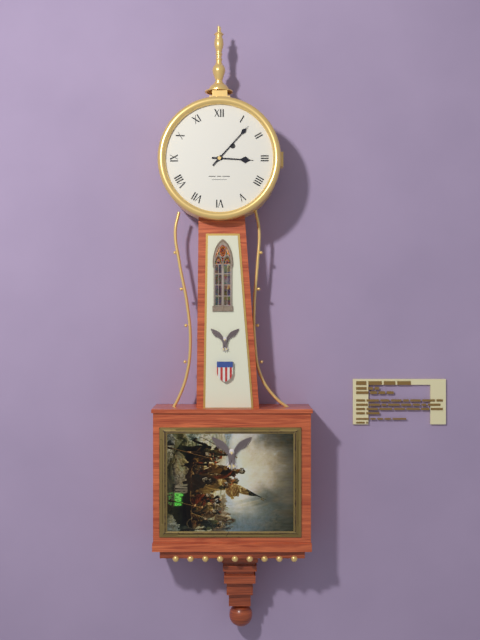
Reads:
h=3 m=7
